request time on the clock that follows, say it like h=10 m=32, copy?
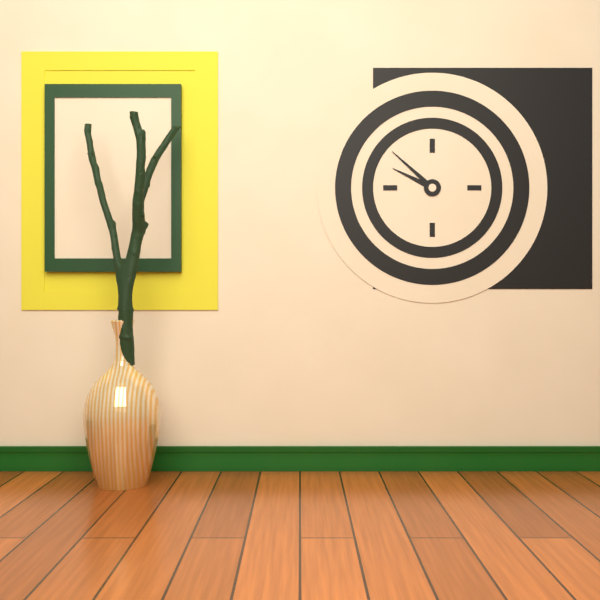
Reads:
h=9 m=52
